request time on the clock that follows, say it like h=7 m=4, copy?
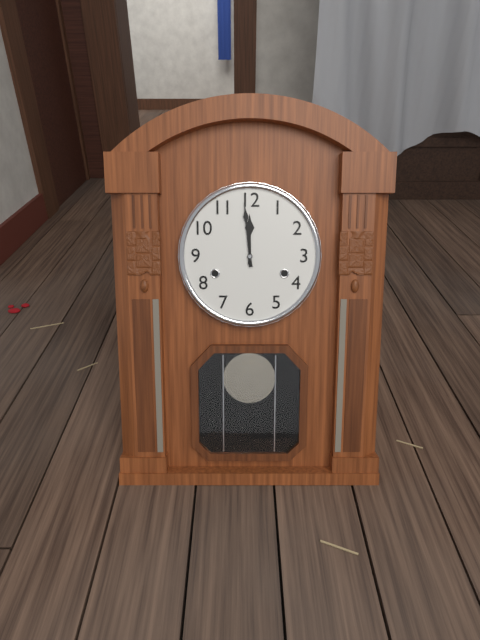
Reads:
h=11 m=59
